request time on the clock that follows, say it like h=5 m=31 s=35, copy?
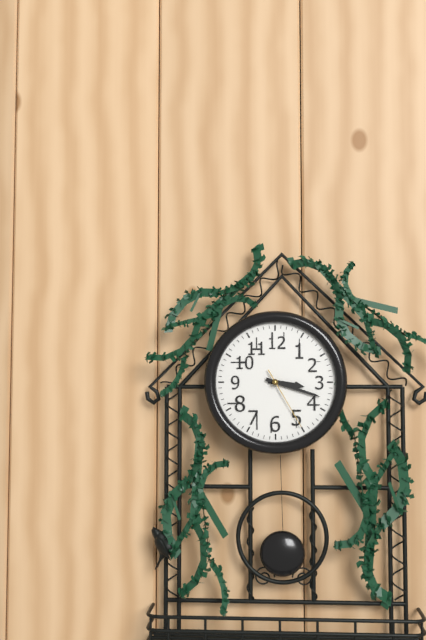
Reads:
h=3 m=18 s=25
